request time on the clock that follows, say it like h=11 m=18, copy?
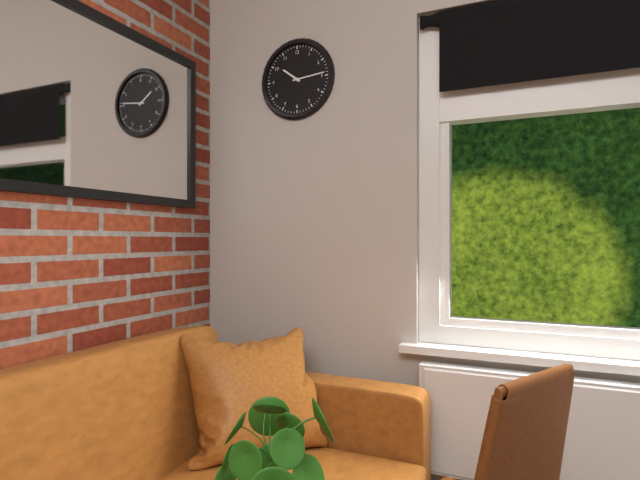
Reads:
h=10 m=14
